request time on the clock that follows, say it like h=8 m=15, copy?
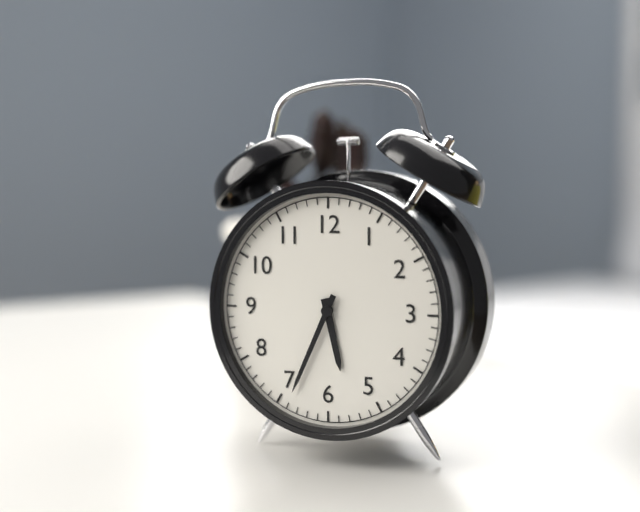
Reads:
h=5 m=34
